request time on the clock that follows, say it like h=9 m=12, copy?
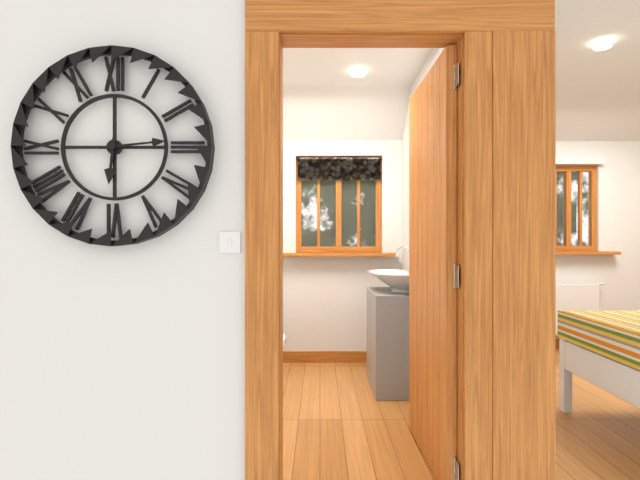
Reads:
h=6 m=14
